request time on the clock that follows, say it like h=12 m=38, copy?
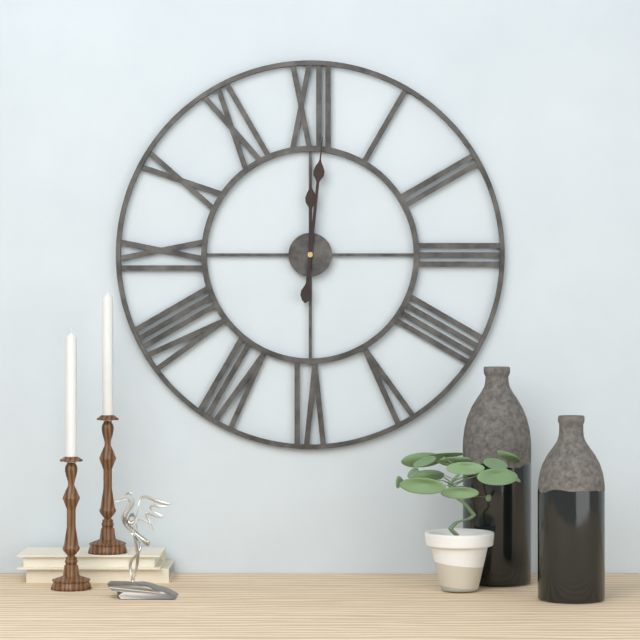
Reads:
h=12 m=1
